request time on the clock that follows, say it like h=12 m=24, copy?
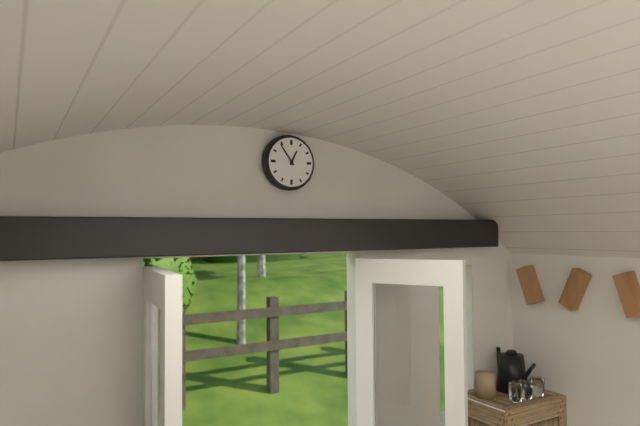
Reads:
h=12 m=54
